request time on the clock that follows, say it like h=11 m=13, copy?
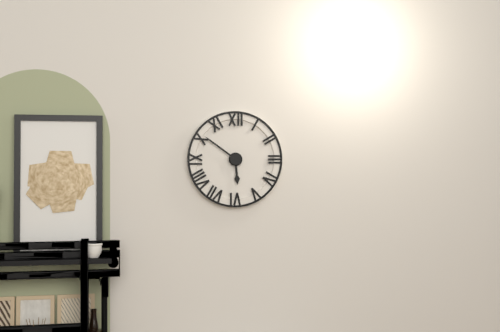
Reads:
h=5 m=51
